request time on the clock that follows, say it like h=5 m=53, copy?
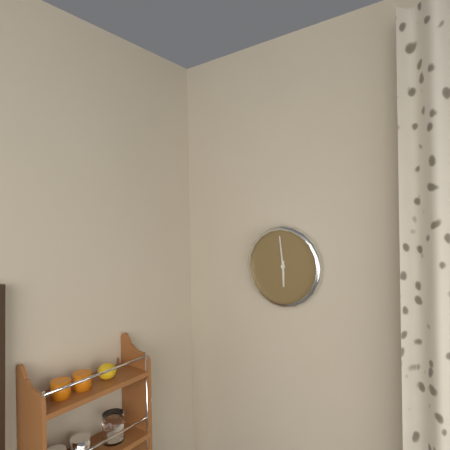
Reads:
h=5 m=59
